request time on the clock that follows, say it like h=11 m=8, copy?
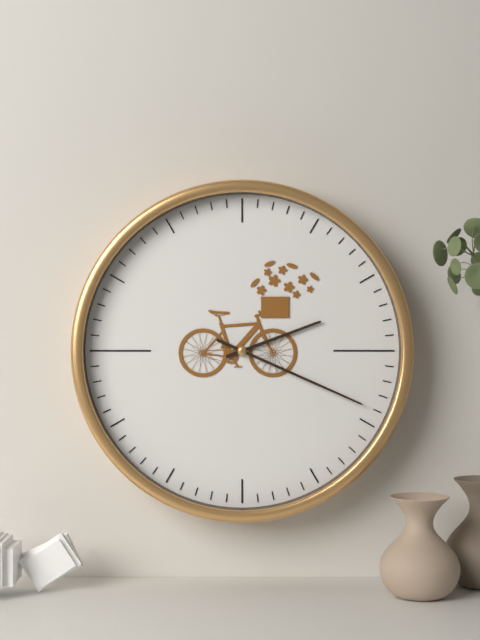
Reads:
h=2 m=19
